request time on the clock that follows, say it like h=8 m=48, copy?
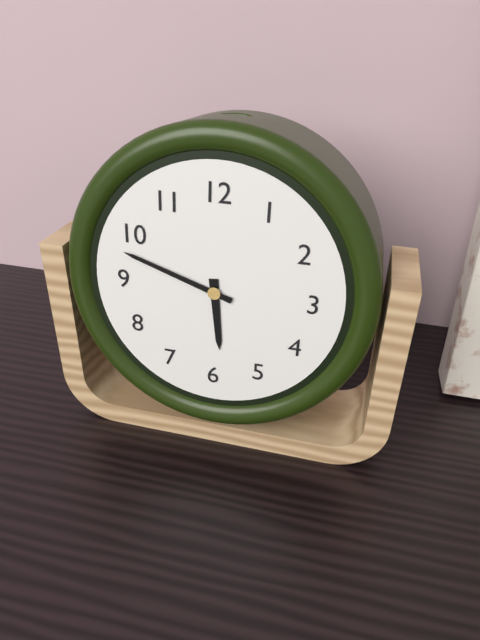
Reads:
h=5 m=48
